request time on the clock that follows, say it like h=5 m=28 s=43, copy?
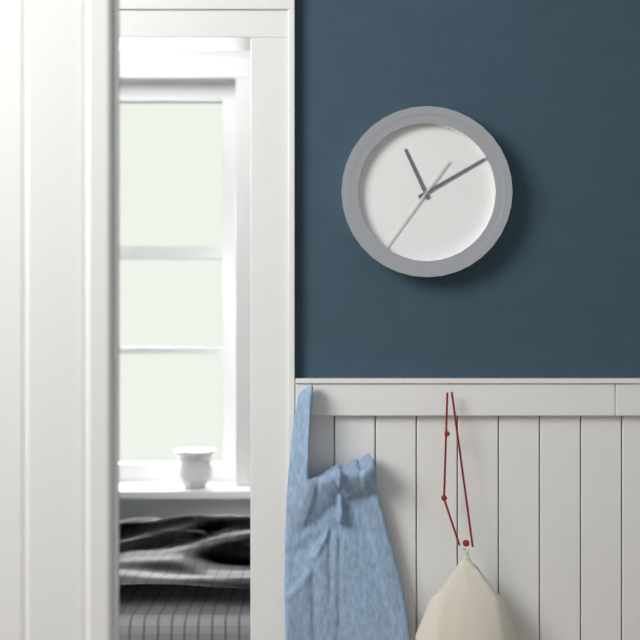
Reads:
h=11 m=10 s=36
